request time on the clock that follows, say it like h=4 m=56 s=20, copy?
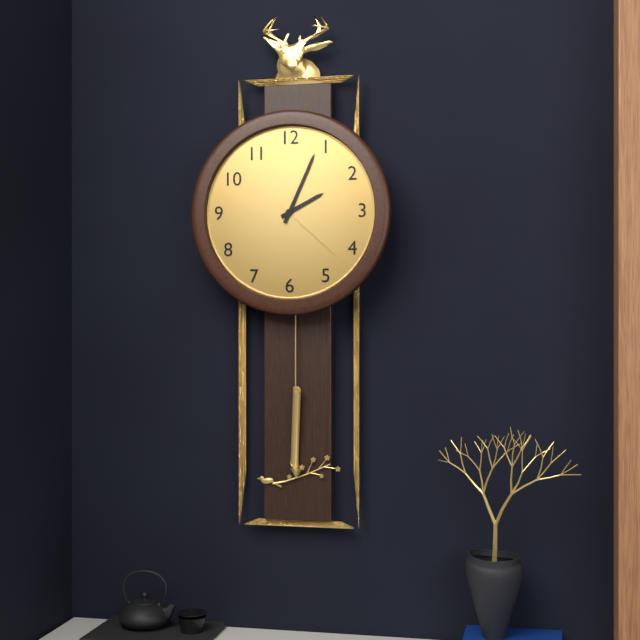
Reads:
h=2 m=4 s=22
